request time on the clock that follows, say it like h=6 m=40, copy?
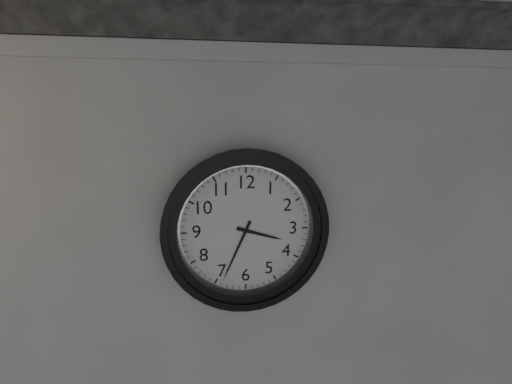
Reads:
h=3 m=34
